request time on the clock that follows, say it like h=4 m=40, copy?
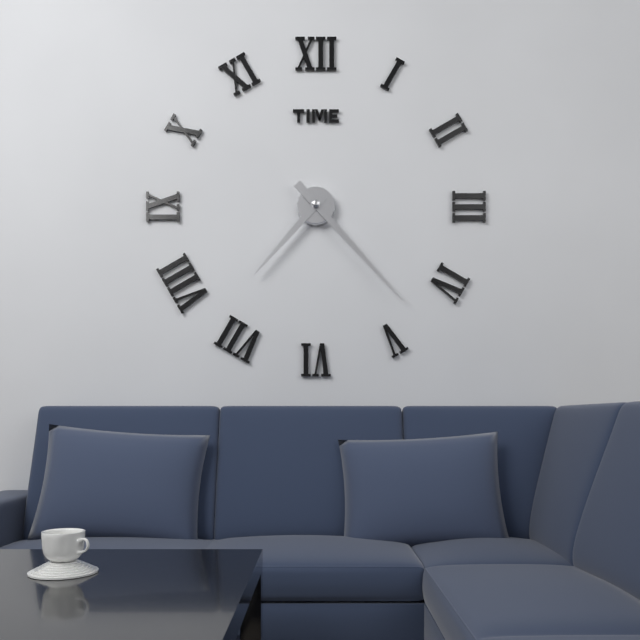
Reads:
h=7 m=23
